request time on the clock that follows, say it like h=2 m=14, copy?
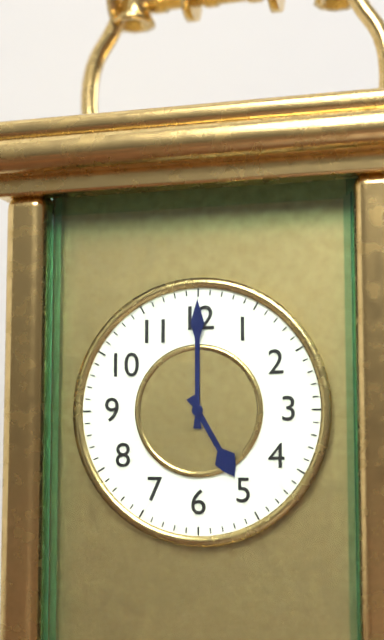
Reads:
h=5 m=0
